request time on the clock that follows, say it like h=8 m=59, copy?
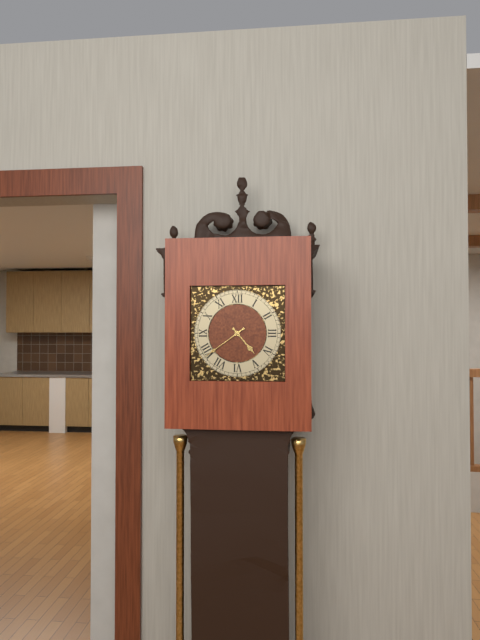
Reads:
h=4 m=39
